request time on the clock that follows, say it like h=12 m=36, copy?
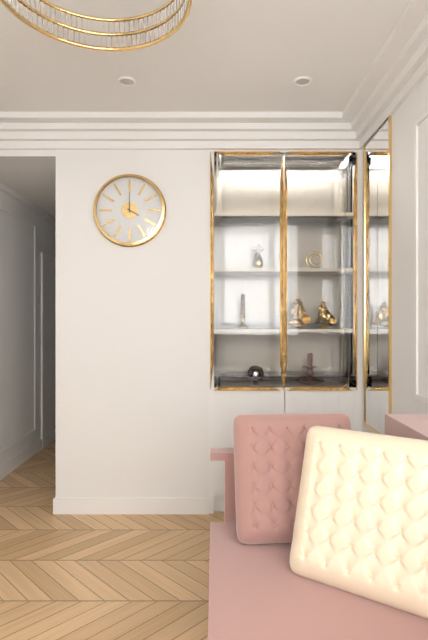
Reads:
h=4 m=0
